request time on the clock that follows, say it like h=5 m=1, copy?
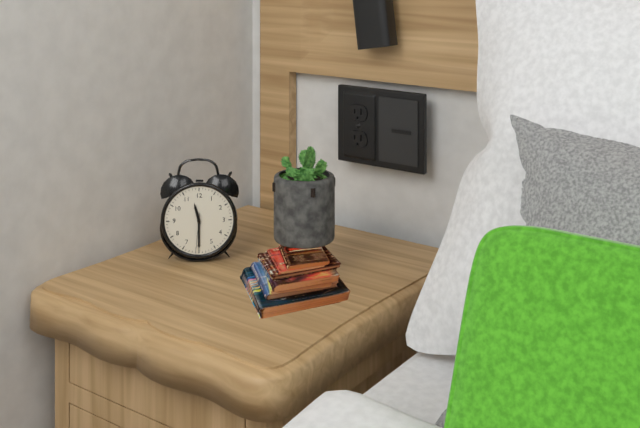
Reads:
h=11 m=30
